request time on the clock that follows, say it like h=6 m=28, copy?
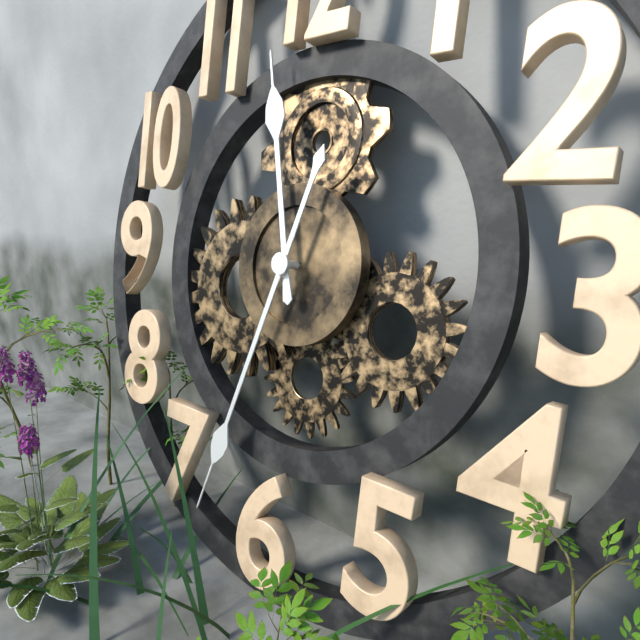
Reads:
h=11 m=33
